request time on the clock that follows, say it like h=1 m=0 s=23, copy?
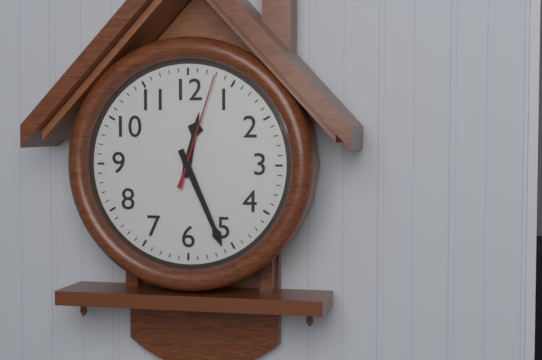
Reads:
h=12 m=26 s=3
